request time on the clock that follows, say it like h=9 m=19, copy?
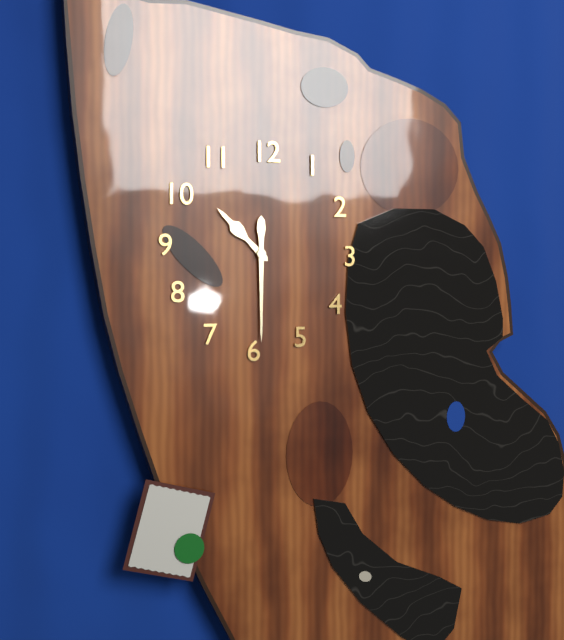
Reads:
h=10 m=30
